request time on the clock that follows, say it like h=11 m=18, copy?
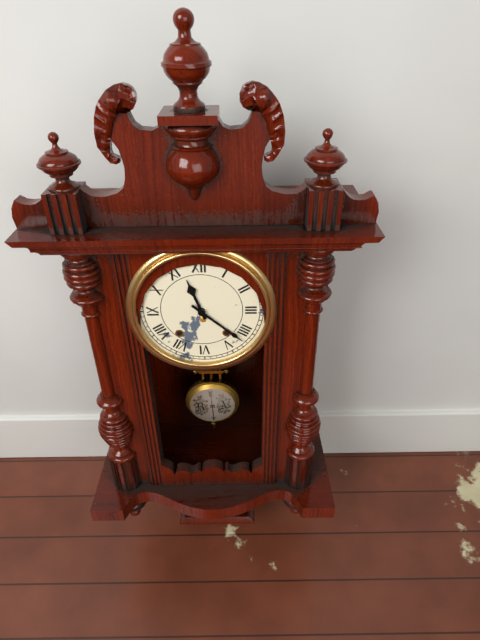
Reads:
h=11 m=22
